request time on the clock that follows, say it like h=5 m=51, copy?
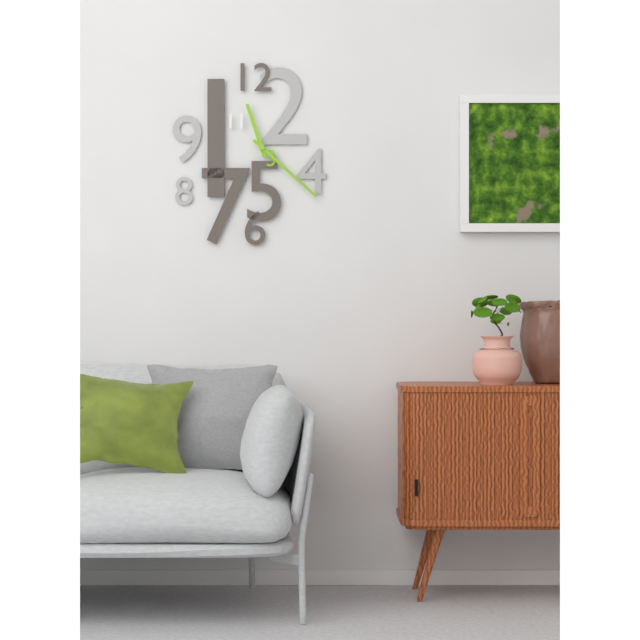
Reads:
h=11 m=22
